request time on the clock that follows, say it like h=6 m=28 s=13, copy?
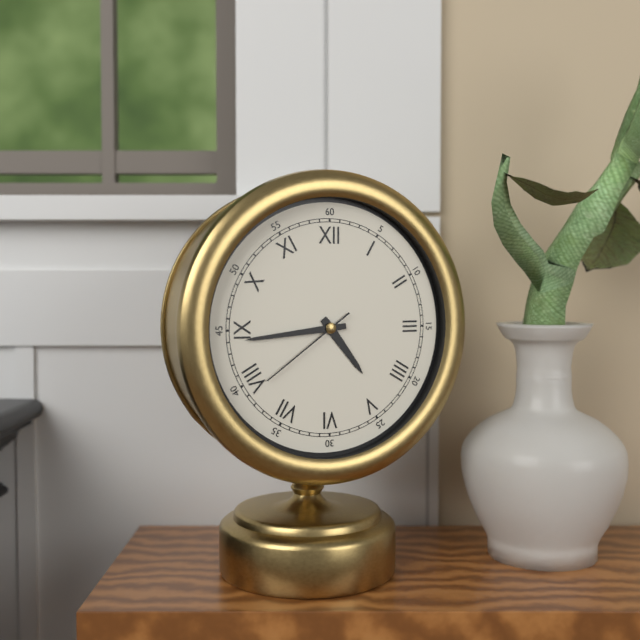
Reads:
h=4 m=44 s=39
